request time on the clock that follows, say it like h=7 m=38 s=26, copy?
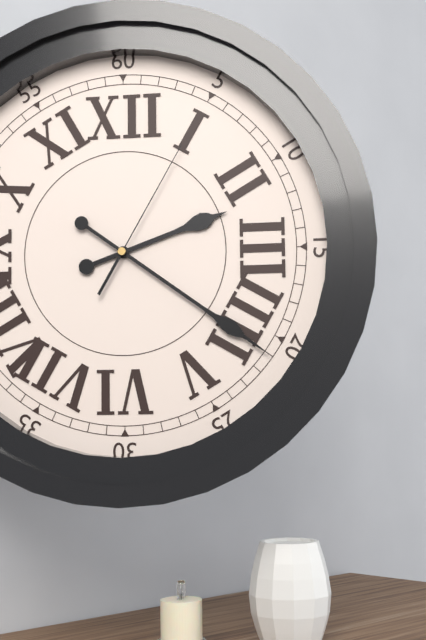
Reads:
h=2 m=21 s=5
